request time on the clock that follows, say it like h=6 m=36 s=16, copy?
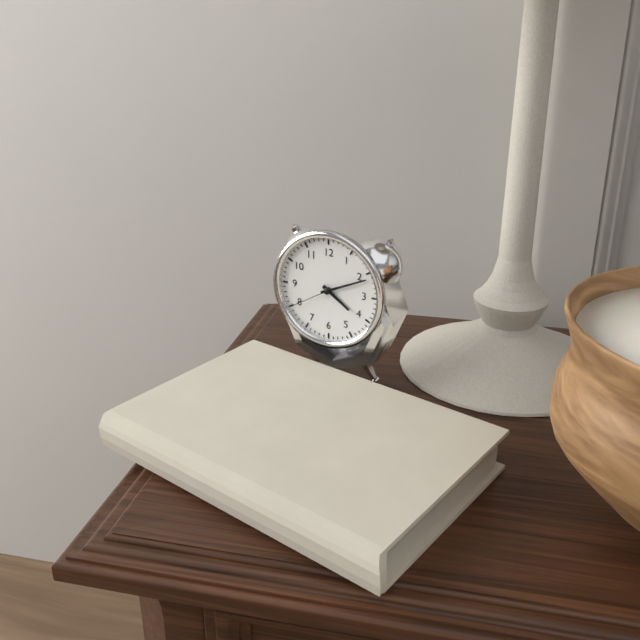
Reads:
h=4 m=11 s=40
